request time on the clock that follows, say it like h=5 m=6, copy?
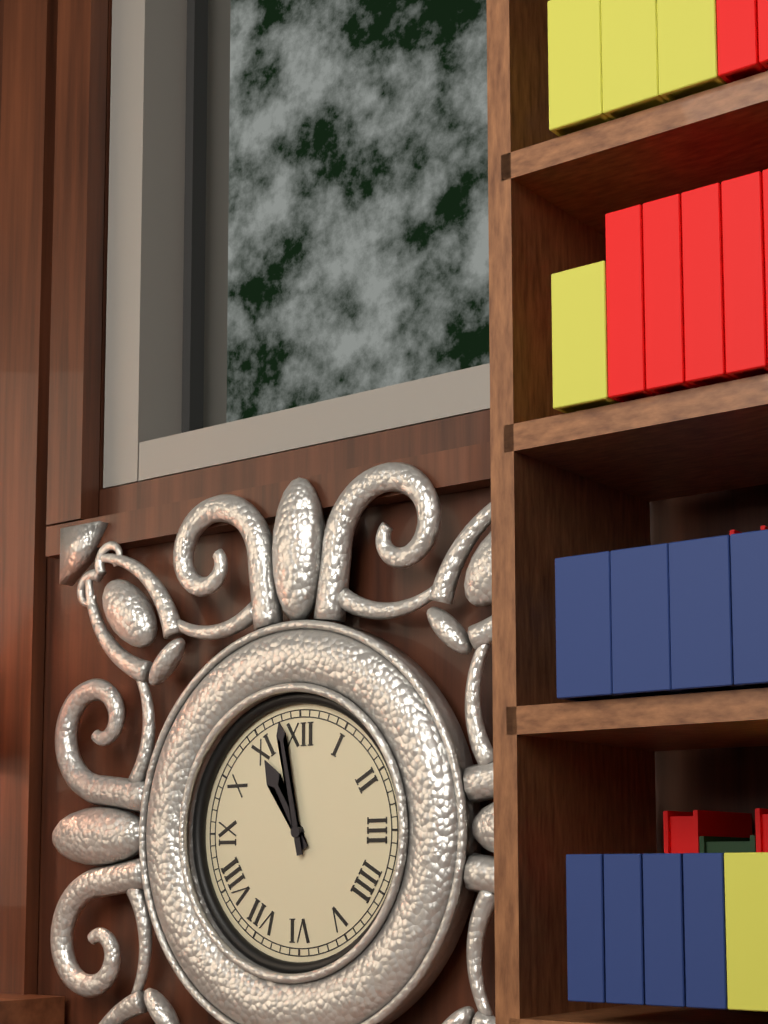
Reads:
h=10 m=58
